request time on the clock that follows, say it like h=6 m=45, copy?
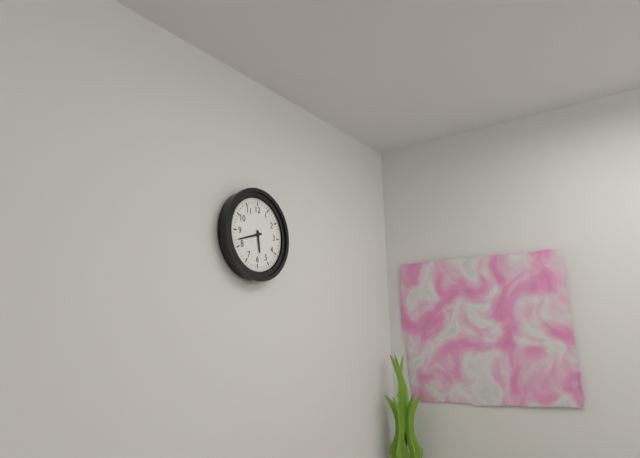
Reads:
h=5 m=42
